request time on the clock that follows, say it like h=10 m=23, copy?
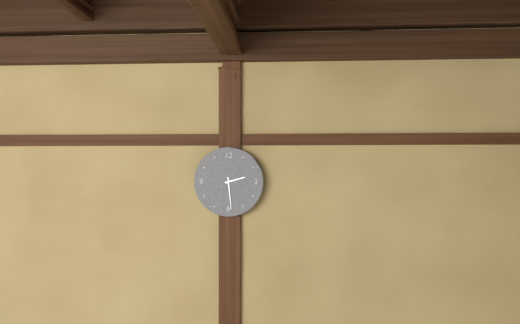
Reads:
h=2 m=29
